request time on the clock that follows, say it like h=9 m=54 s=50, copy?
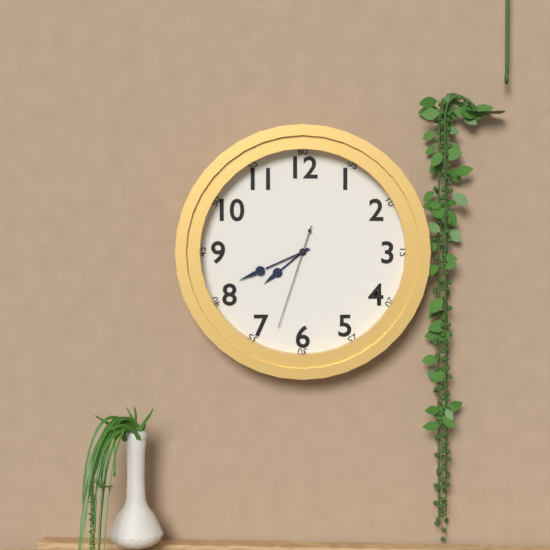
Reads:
h=7 m=41 s=33
